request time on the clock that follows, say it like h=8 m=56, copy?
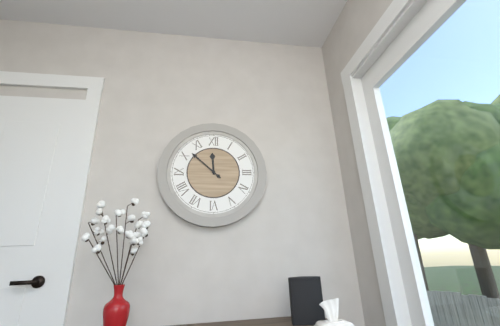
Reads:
h=11 m=52
